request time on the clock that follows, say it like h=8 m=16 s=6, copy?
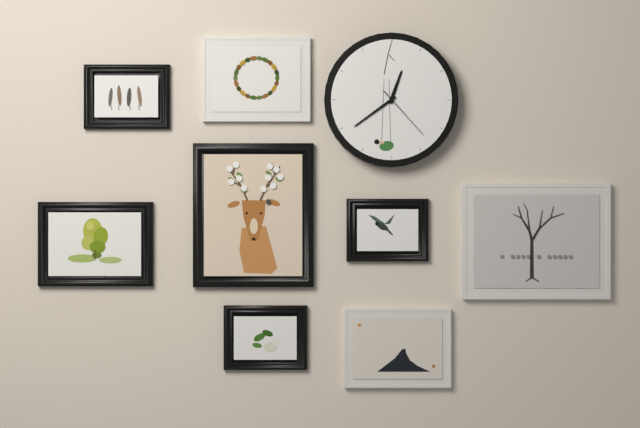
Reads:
h=12 m=39 s=23
